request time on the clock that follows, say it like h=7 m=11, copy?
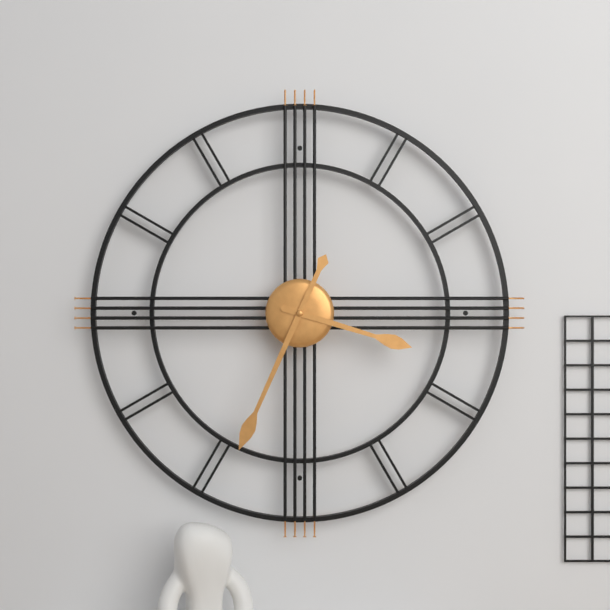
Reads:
h=3 m=34
